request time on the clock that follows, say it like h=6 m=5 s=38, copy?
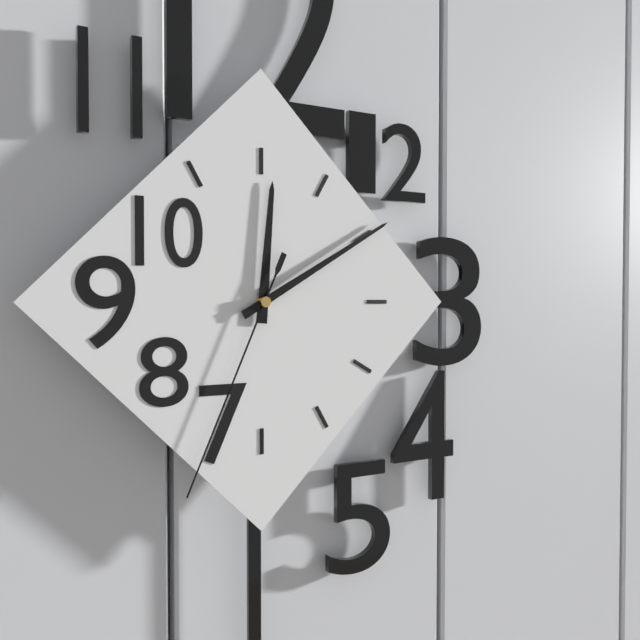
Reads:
h=12 m=10 s=34
